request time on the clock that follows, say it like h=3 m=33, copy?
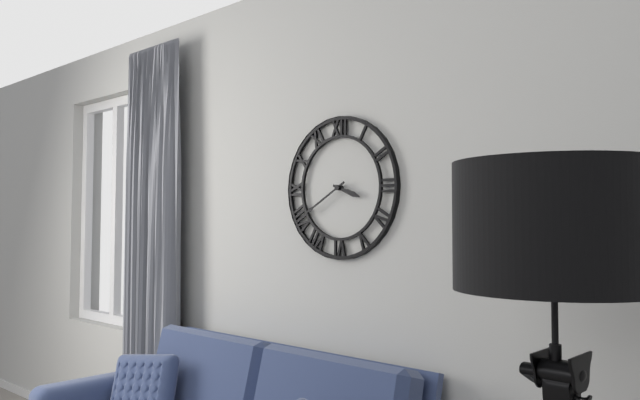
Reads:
h=3 m=40
